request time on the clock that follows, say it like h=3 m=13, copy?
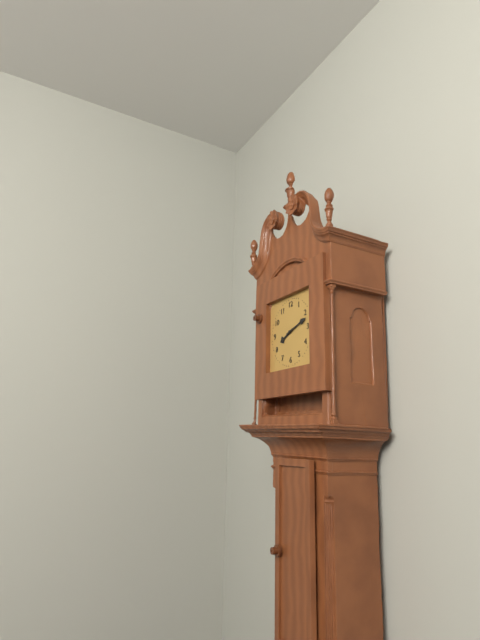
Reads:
h=8 m=12
